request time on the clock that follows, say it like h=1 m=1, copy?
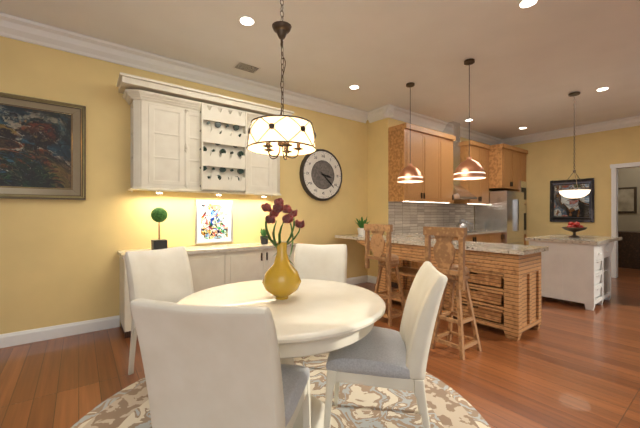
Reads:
h=3 m=22
